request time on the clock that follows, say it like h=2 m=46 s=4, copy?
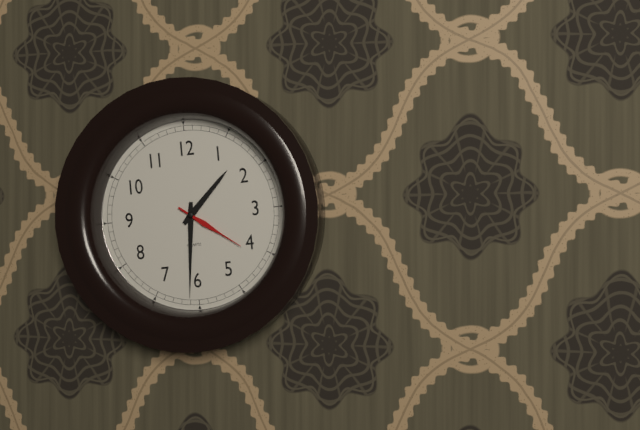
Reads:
h=1 m=31 s=21
